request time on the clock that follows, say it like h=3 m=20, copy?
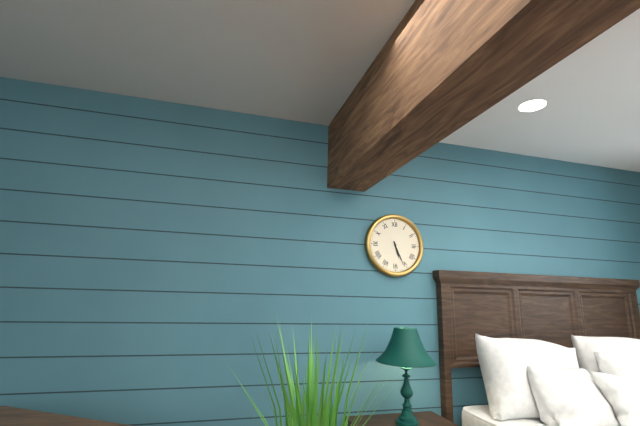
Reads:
h=5 m=26
